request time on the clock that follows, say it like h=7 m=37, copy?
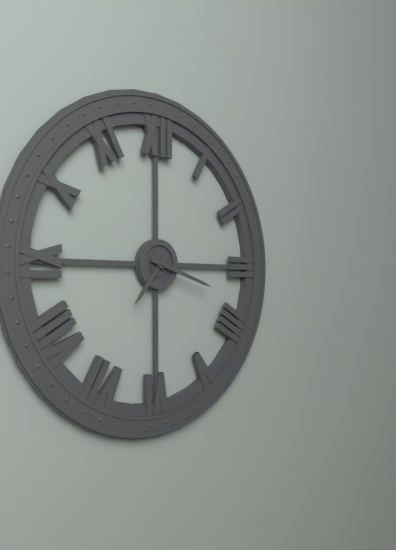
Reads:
h=7 m=18
